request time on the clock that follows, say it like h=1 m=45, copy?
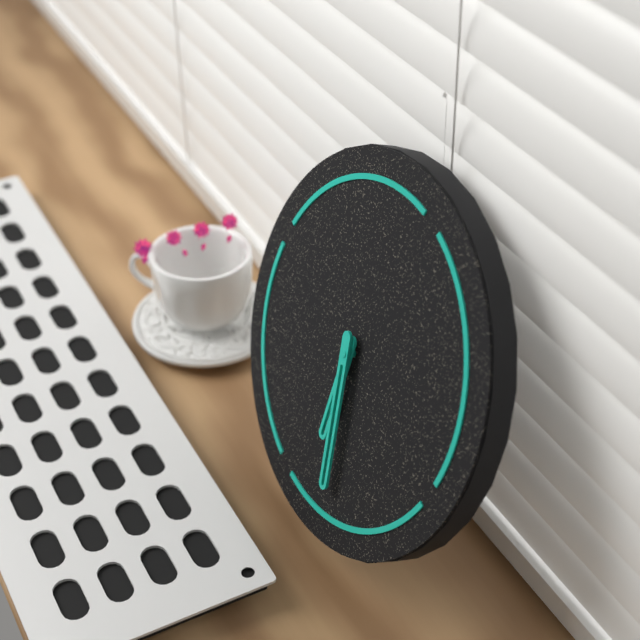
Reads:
h=5 m=25
